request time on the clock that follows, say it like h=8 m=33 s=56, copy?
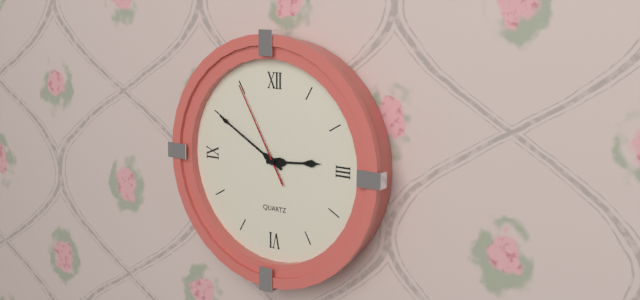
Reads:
h=2 m=50 s=55
